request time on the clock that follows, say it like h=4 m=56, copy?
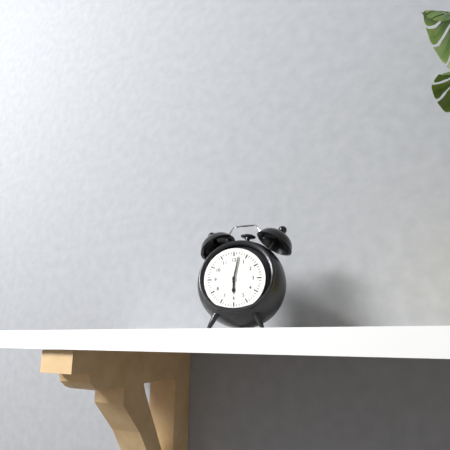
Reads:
h=6 m=2
